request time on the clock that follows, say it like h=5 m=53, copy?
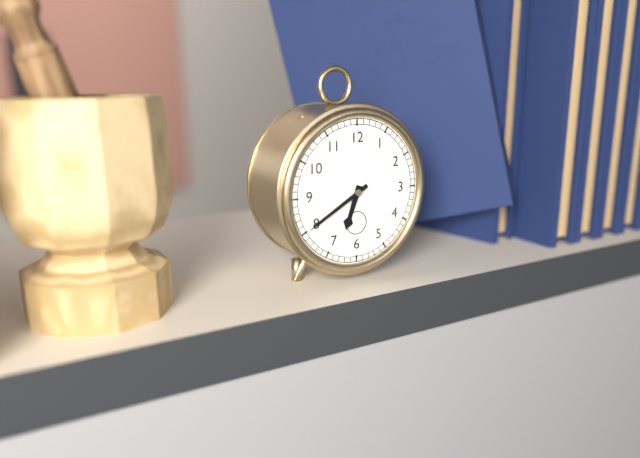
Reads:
h=6 m=40
